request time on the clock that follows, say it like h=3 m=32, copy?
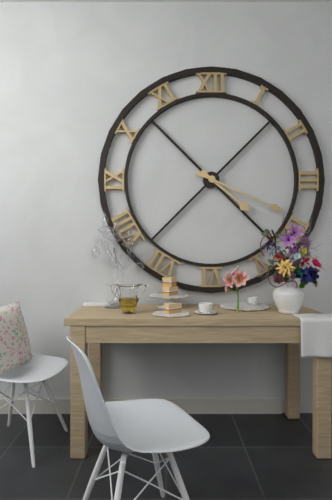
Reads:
h=4 m=19
